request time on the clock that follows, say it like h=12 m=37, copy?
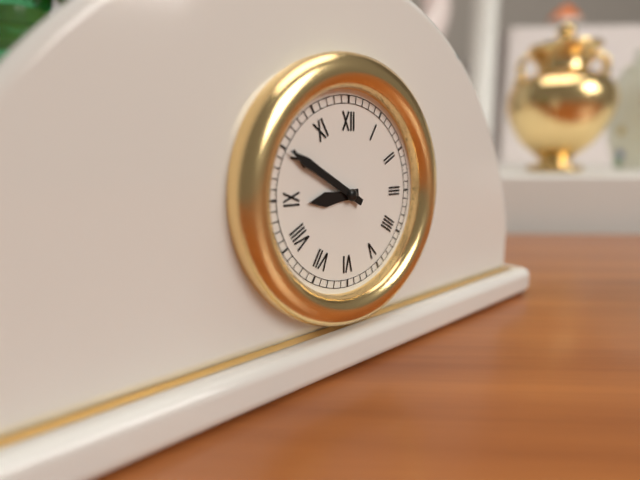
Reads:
h=8 m=50
